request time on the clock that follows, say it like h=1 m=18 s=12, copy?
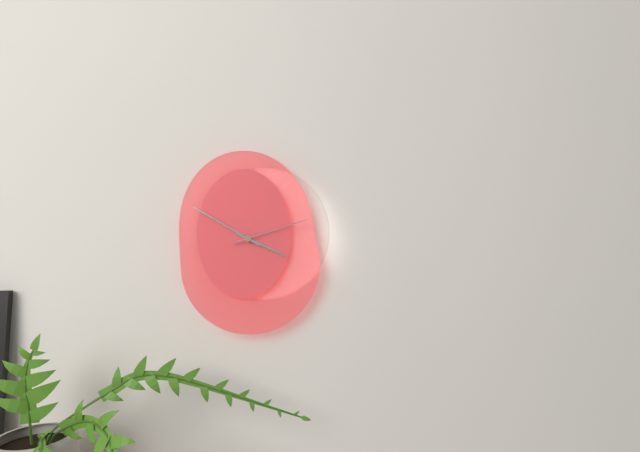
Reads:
h=3 m=50 s=12
